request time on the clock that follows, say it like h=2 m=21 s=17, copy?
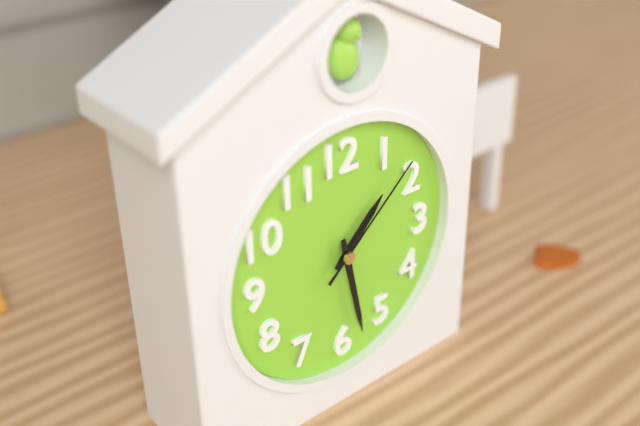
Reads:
h=1 m=28 s=8
